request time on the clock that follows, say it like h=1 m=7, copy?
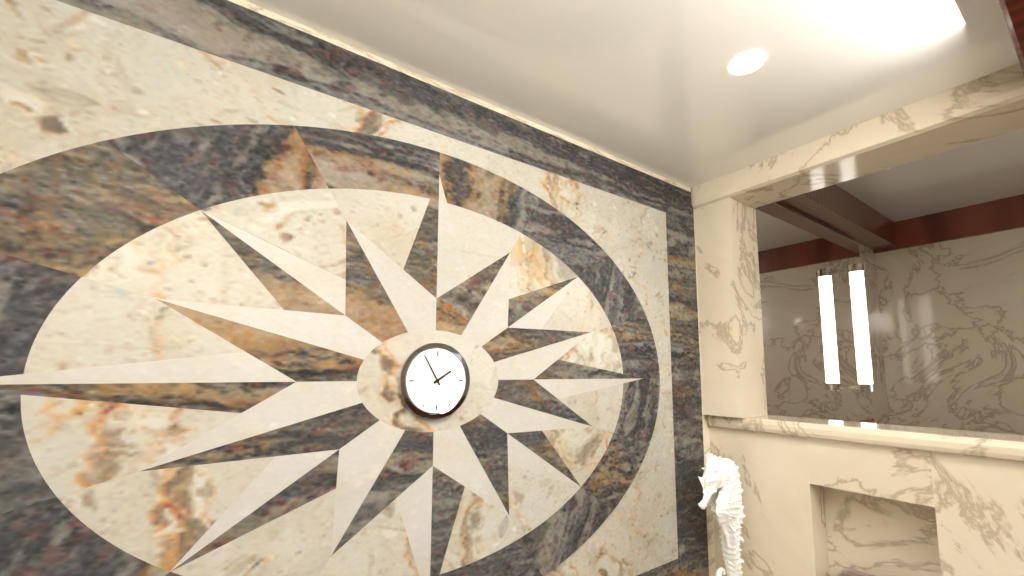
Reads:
h=1 m=55
